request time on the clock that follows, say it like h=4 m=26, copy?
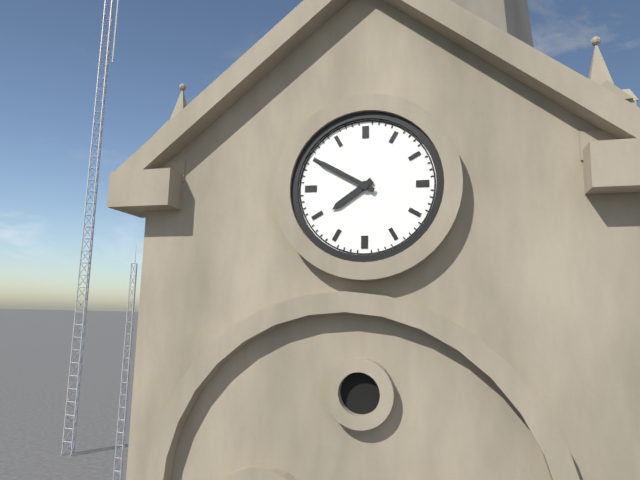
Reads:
h=7 m=50
